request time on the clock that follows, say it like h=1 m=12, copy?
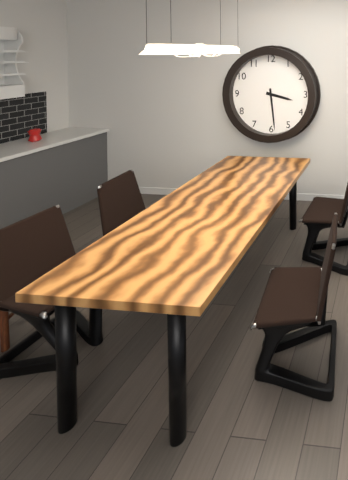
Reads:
h=3 m=29
